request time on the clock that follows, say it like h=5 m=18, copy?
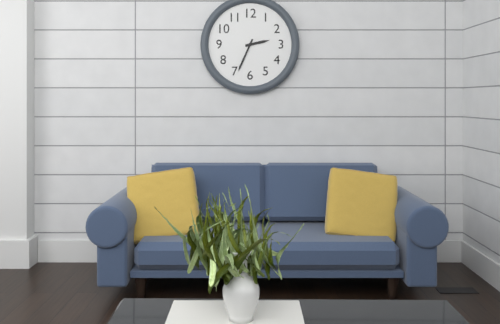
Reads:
h=2 m=34
